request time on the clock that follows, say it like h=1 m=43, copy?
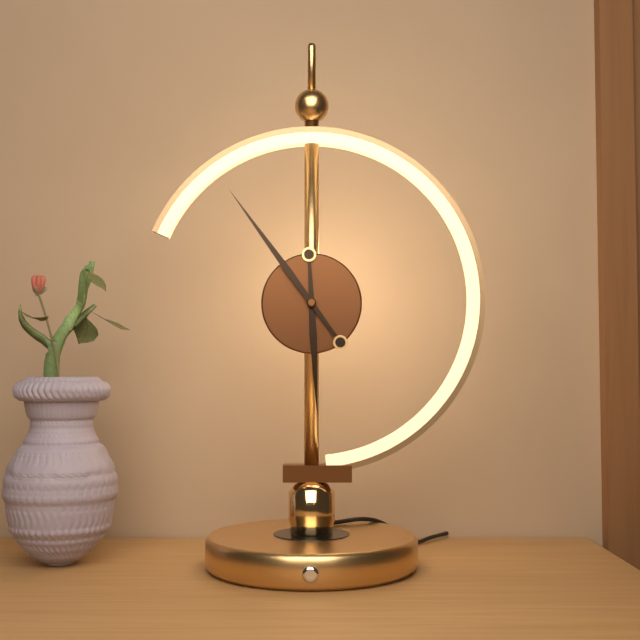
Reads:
h=5 m=54
